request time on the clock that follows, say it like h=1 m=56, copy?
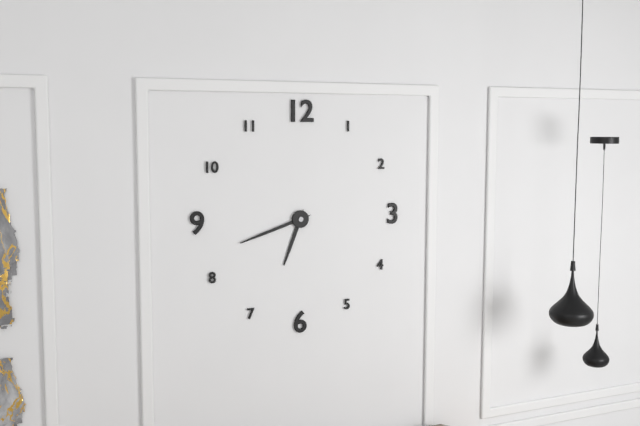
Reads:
h=6 m=42
